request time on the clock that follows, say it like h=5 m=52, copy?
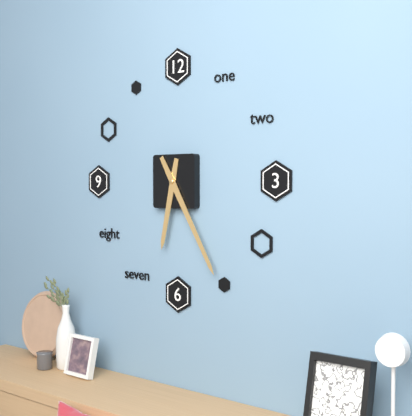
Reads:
h=6 m=25
